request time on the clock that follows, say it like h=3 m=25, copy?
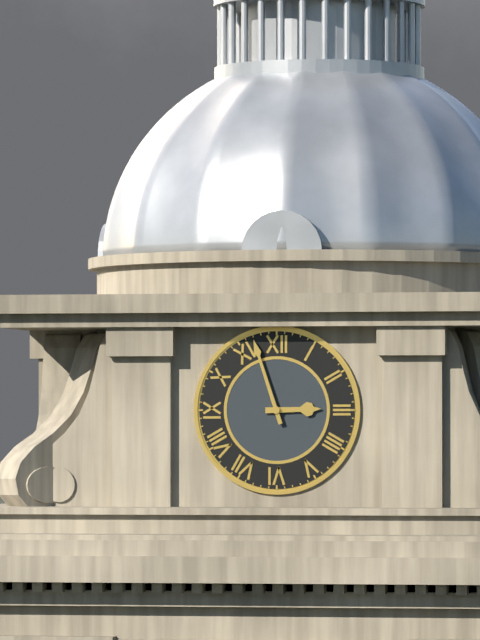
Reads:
h=2 m=57
